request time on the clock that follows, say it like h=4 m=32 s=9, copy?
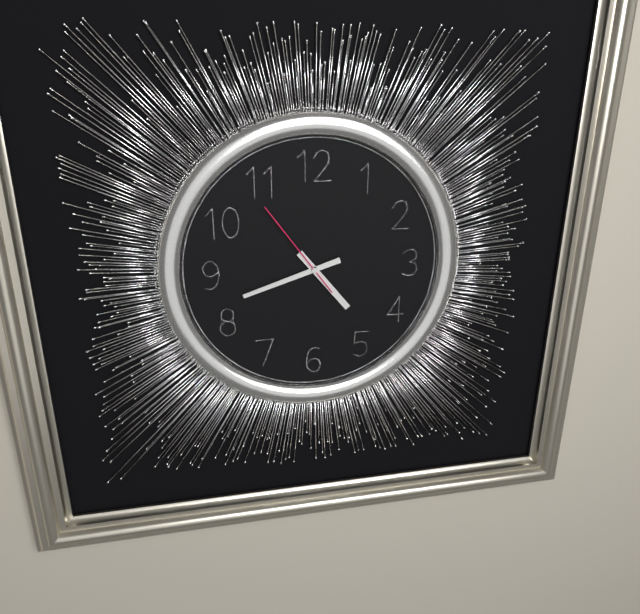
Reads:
h=4 m=42 s=54
